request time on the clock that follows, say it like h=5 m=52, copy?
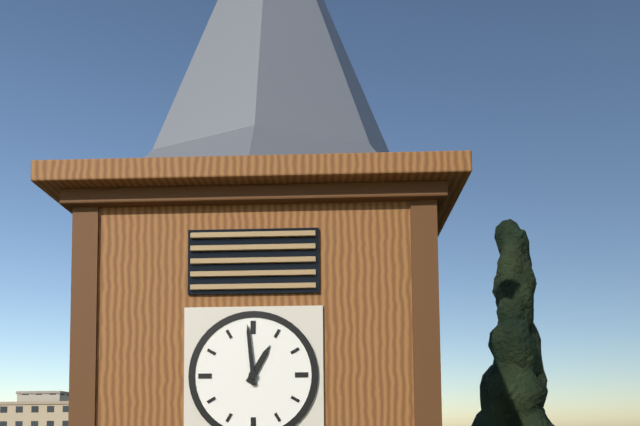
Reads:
h=12 m=59
